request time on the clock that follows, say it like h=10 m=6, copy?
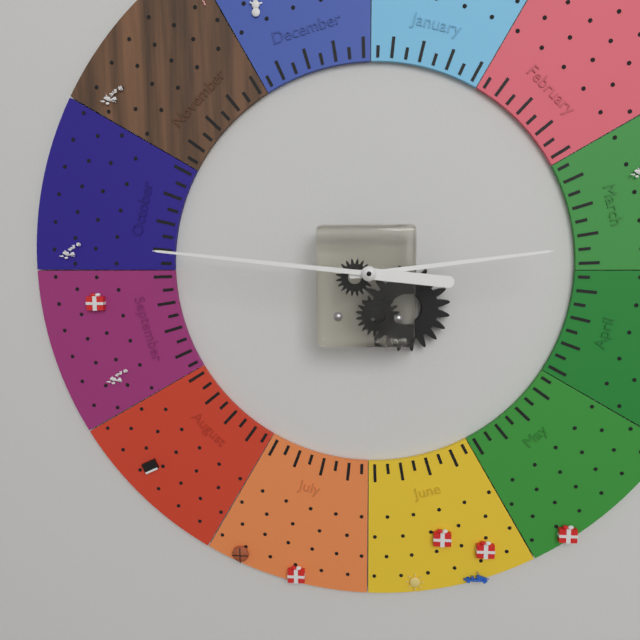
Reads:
h=2 m=46
